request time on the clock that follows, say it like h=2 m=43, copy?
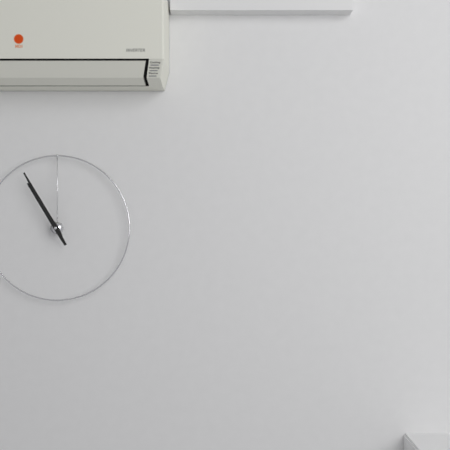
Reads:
h=10 m=55
